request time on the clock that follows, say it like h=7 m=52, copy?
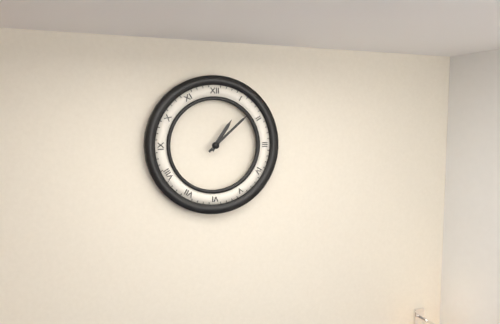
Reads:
h=1 m=8
